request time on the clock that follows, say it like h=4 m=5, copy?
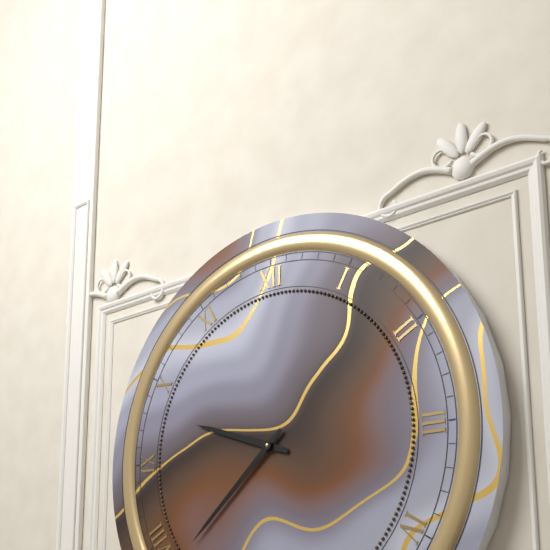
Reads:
h=9 m=38
